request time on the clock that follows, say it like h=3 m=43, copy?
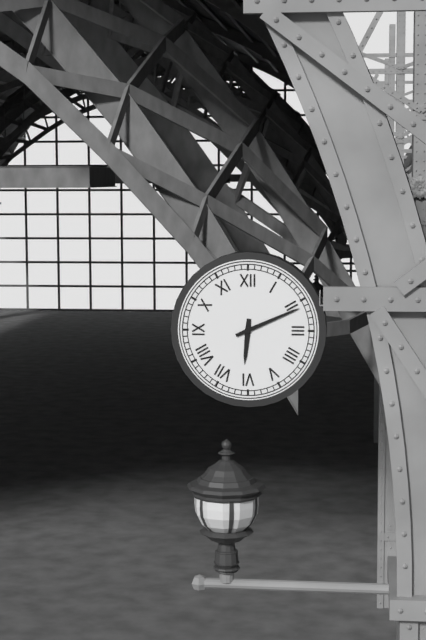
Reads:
h=6 m=11
